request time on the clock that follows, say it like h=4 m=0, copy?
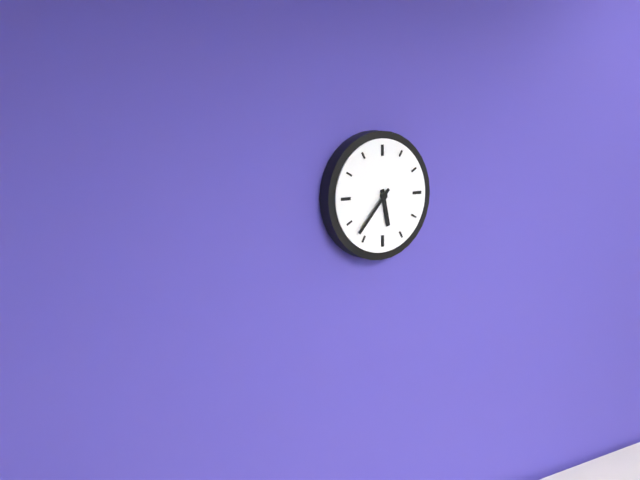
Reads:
h=5 m=37
